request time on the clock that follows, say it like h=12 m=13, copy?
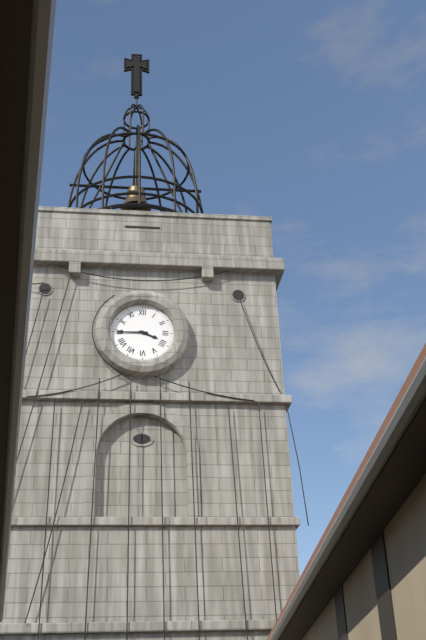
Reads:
h=3 m=45
